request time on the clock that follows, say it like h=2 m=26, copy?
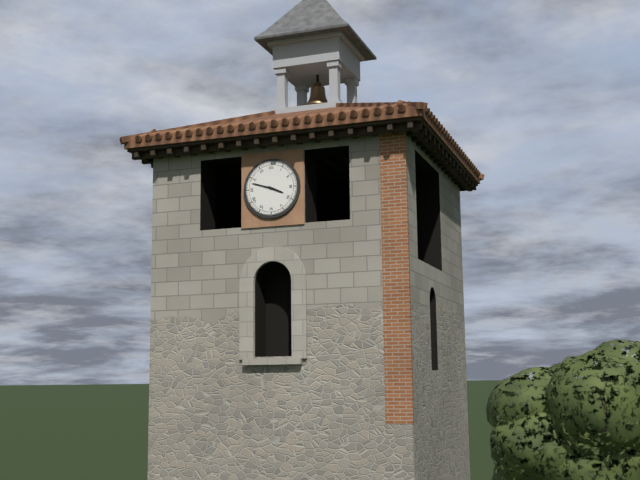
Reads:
h=3 m=48
